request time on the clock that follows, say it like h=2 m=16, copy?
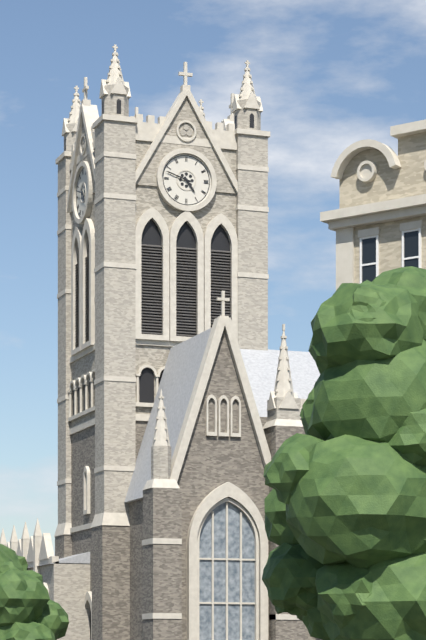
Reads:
h=4 m=48
